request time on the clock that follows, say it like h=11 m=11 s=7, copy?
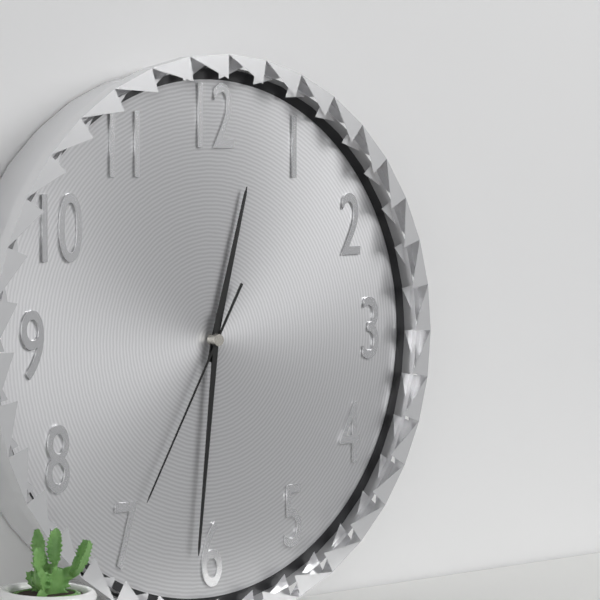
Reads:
h=12 m=31 s=35
